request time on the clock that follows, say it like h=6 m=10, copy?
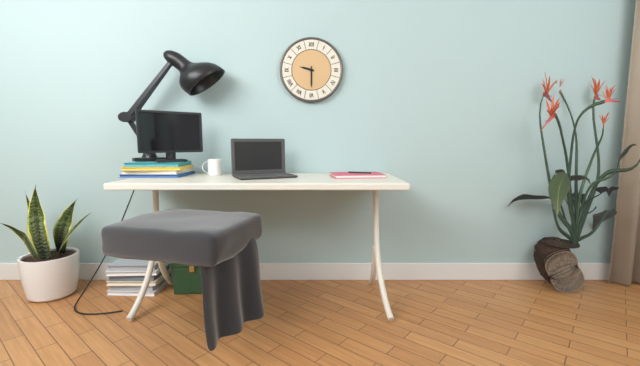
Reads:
h=9 m=30
